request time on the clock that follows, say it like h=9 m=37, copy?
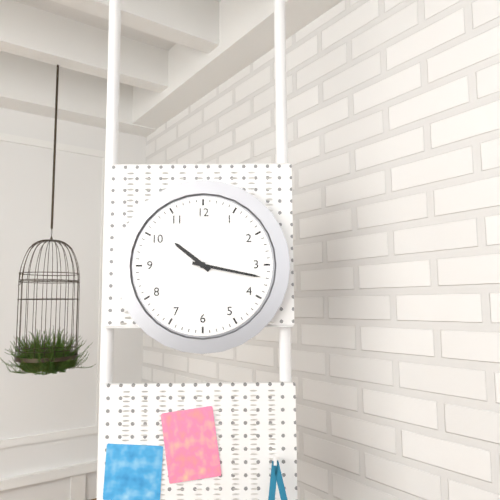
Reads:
h=10 m=17
